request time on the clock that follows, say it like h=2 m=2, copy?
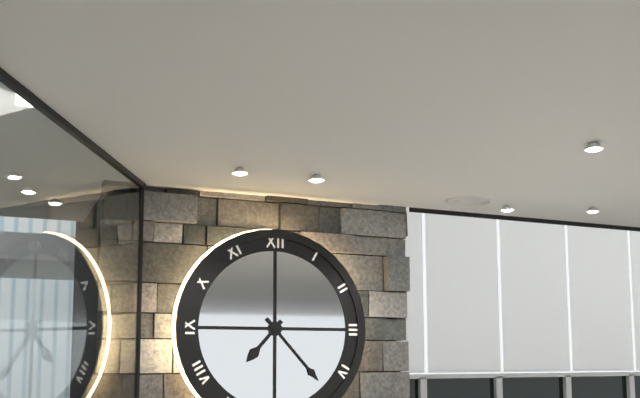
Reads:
h=7 m=23
